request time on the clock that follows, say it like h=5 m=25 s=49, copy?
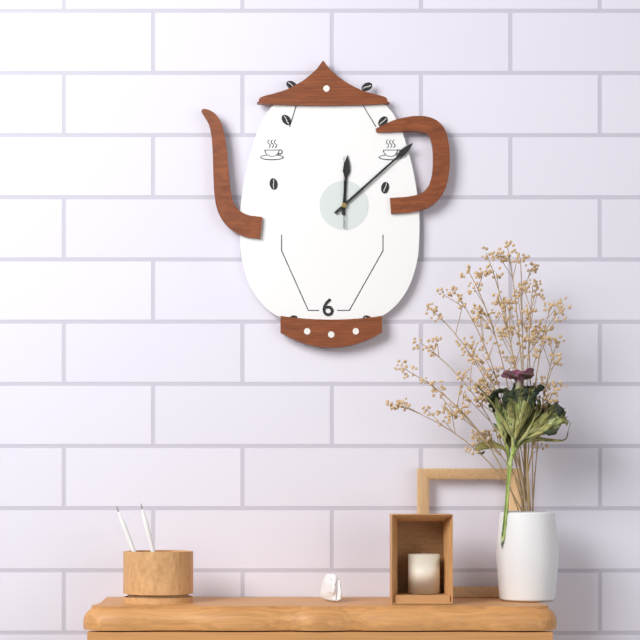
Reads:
h=12 m=8 s=0
